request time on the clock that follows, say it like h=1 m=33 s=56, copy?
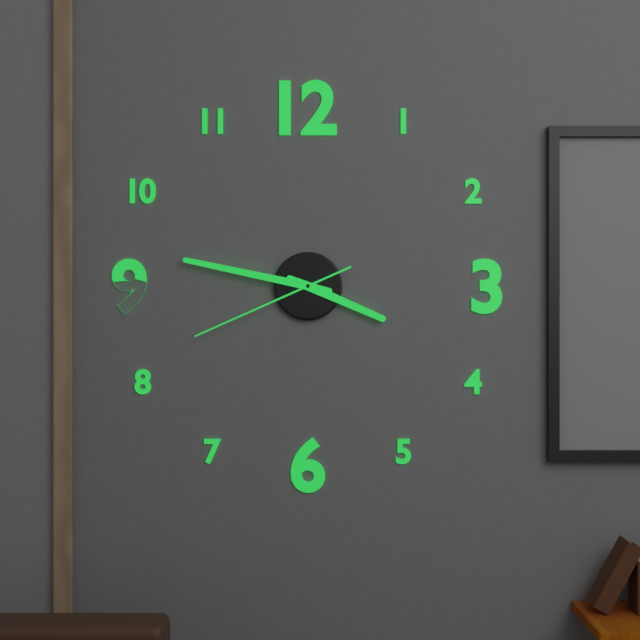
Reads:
h=3 m=47 s=41
